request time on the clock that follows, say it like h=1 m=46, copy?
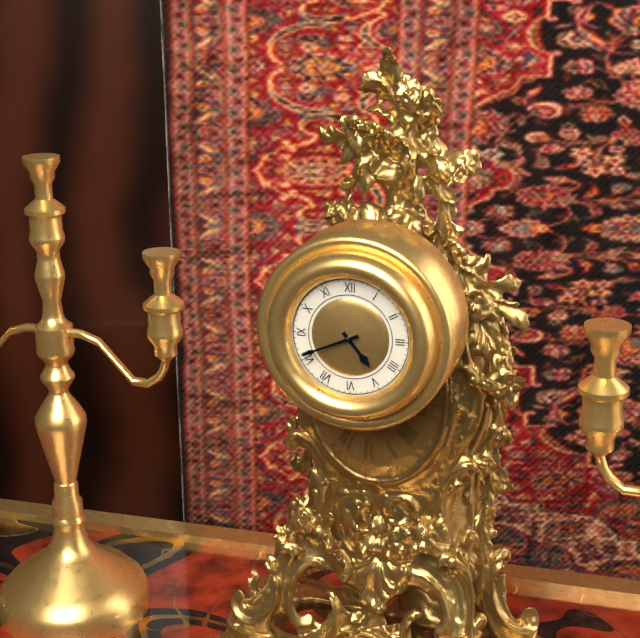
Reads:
h=4 m=41
